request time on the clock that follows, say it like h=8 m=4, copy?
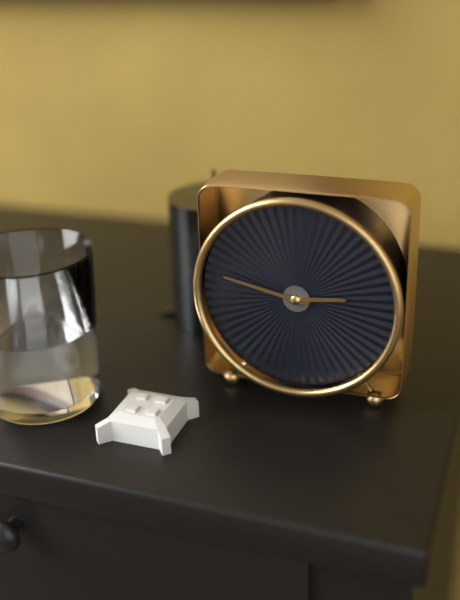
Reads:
h=2 m=47
